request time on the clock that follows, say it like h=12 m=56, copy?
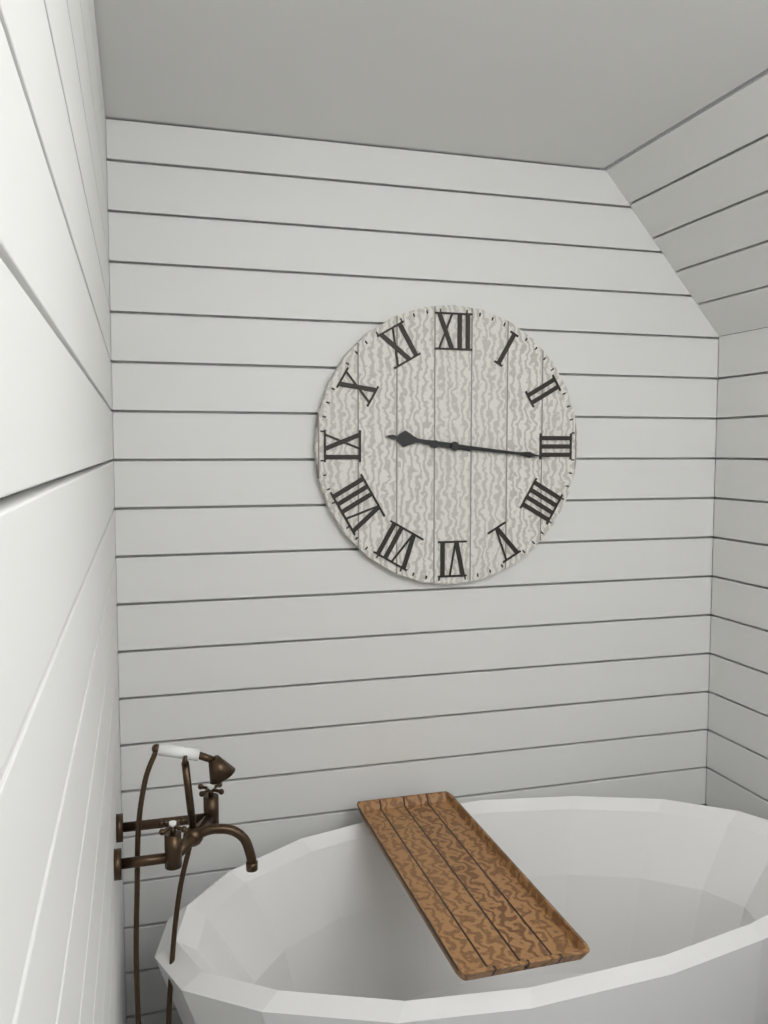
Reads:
h=9 m=16
